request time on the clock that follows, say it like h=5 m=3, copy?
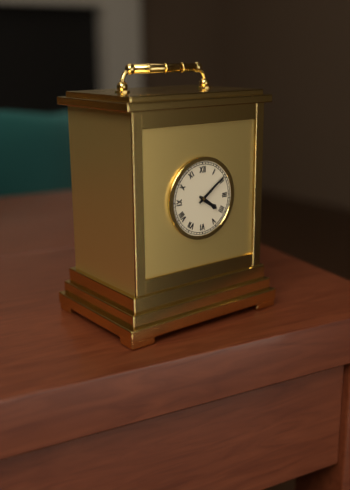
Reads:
h=4 m=9
